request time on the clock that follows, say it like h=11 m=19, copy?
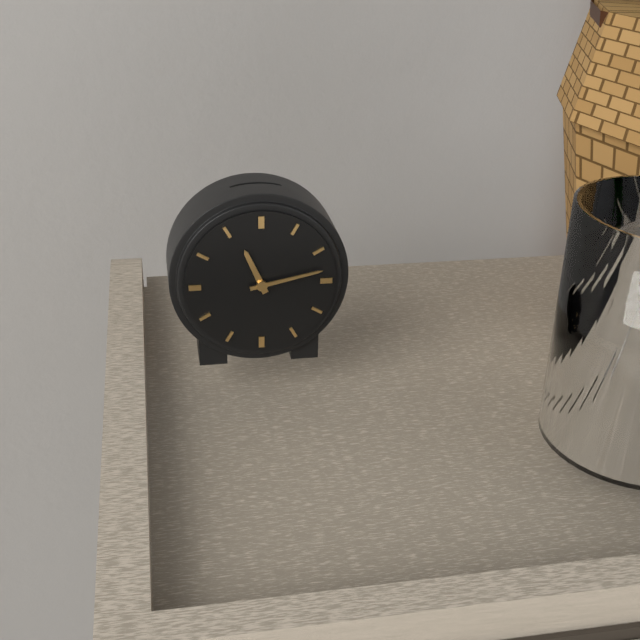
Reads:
h=11 m=13
